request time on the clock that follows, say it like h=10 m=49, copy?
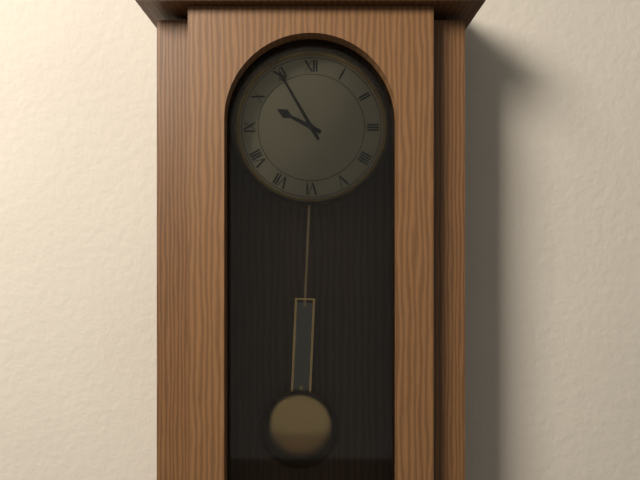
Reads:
h=9 m=55
